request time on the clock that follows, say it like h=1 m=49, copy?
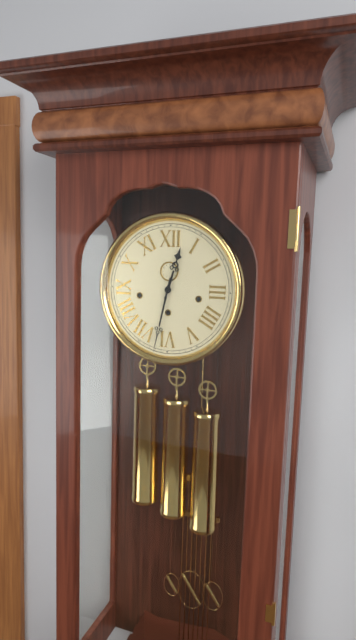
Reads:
h=12 m=32
